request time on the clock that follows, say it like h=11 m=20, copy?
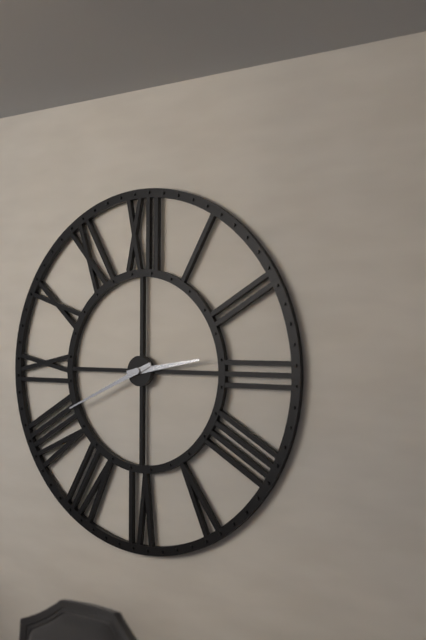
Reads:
h=2 m=41
